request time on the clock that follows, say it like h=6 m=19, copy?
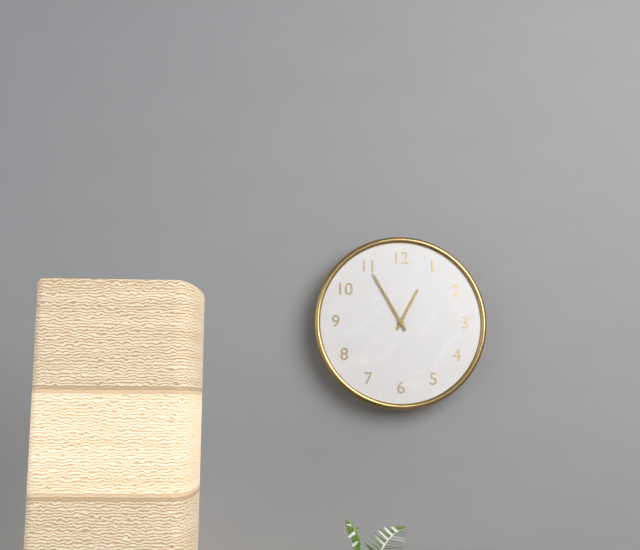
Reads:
h=12 m=55
